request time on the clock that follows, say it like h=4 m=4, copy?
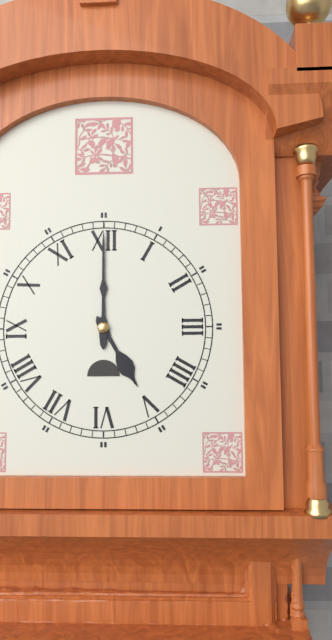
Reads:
h=5 m=0
